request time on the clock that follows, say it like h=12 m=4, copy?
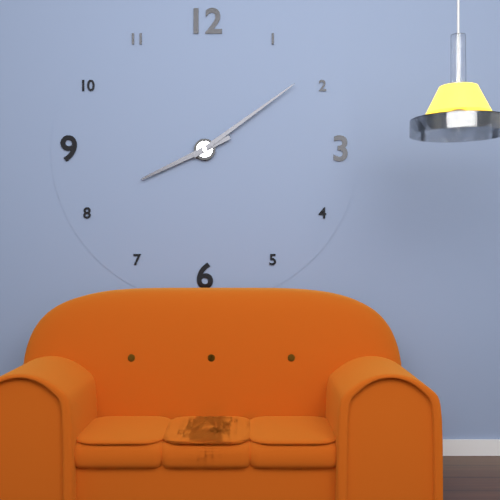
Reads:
h=8 m=9
